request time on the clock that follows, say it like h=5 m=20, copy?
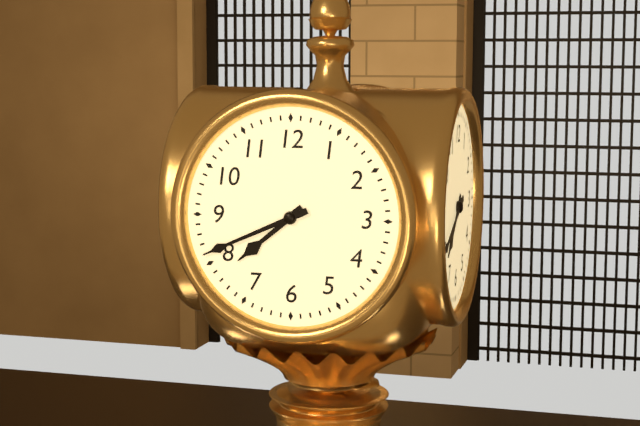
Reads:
h=7 m=41
